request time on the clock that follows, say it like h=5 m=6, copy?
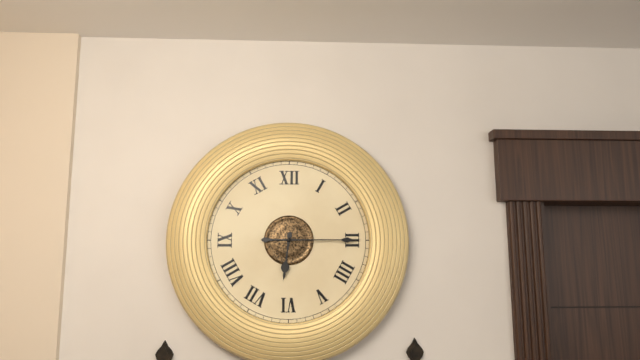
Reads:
h=6 m=15
